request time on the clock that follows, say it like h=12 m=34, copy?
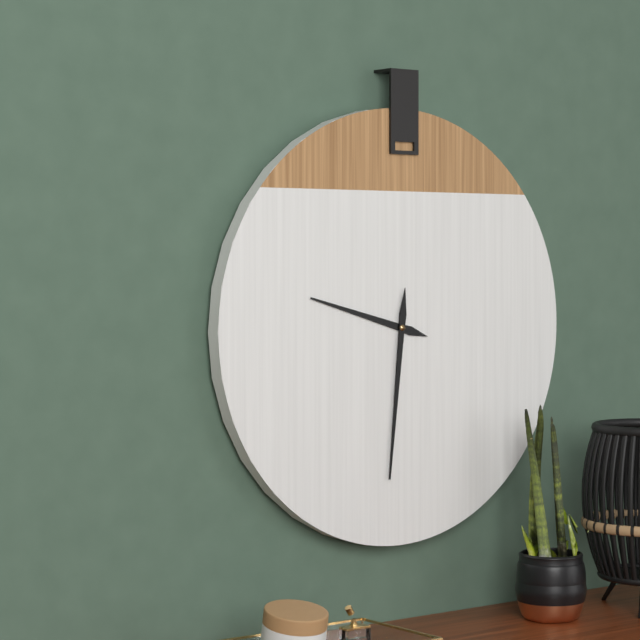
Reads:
h=9 m=31
